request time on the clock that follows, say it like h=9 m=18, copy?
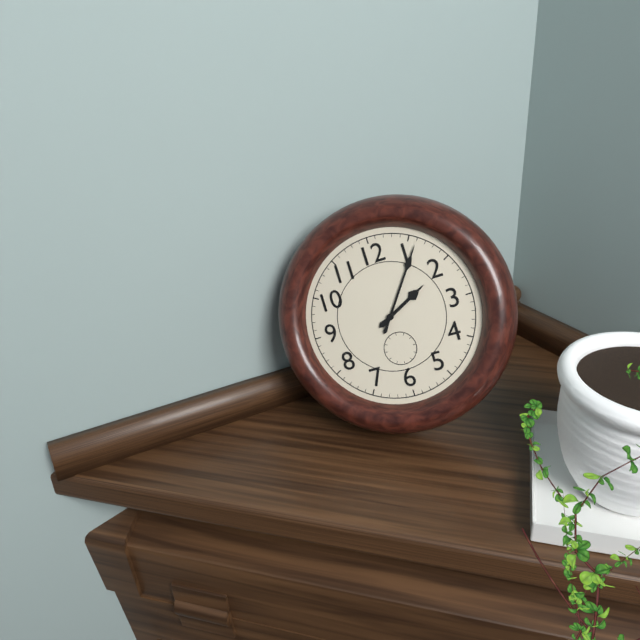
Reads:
h=2 m=6
